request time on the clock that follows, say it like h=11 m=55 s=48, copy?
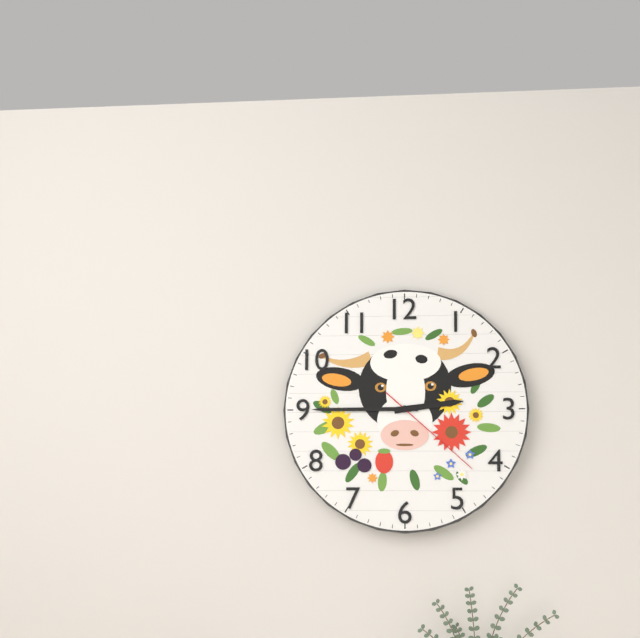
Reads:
h=2 m=45 s=22
